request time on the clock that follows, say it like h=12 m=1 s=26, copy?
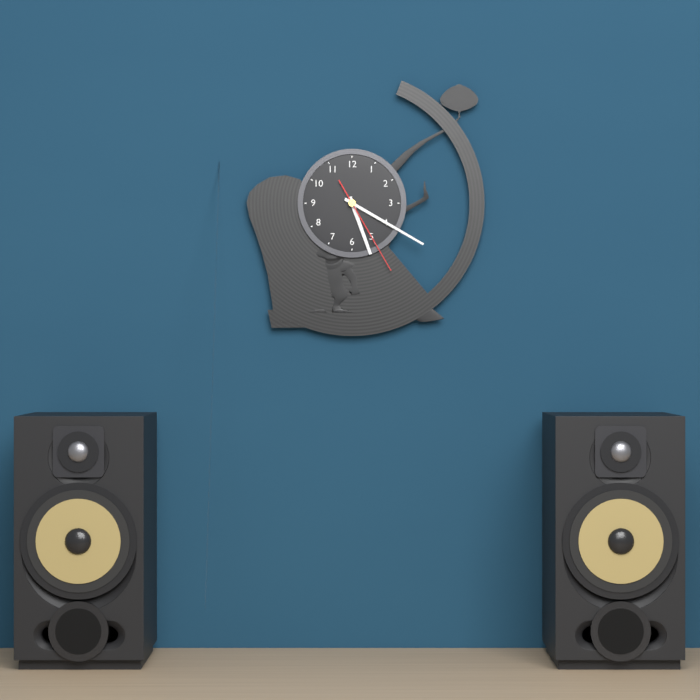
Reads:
h=5 m=20 s=25
